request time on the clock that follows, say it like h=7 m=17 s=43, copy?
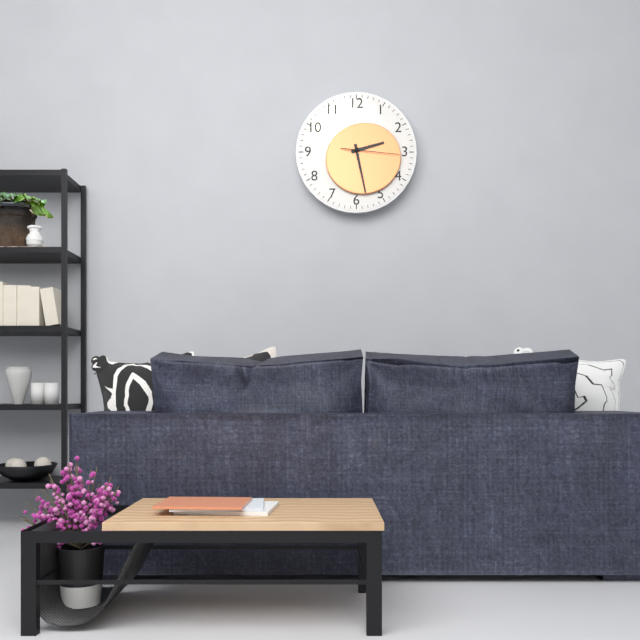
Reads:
h=2 m=28 s=16
